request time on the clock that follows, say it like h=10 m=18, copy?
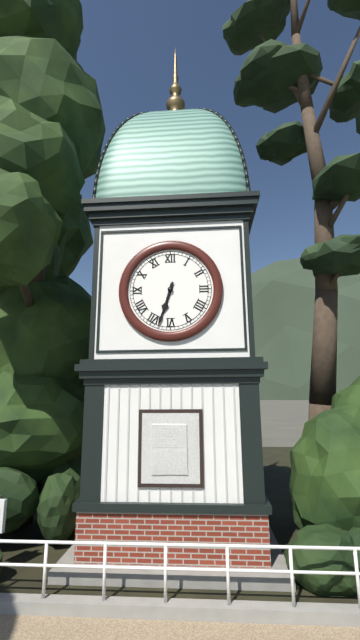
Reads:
h=6 m=33
